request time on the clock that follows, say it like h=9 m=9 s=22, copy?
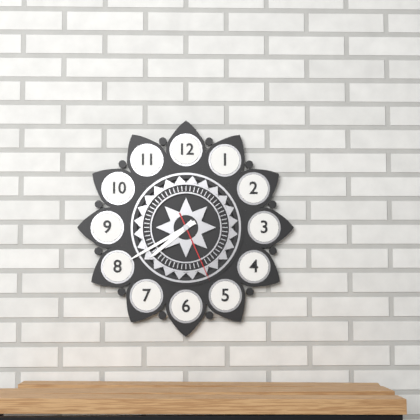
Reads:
h=7 m=40 s=26
